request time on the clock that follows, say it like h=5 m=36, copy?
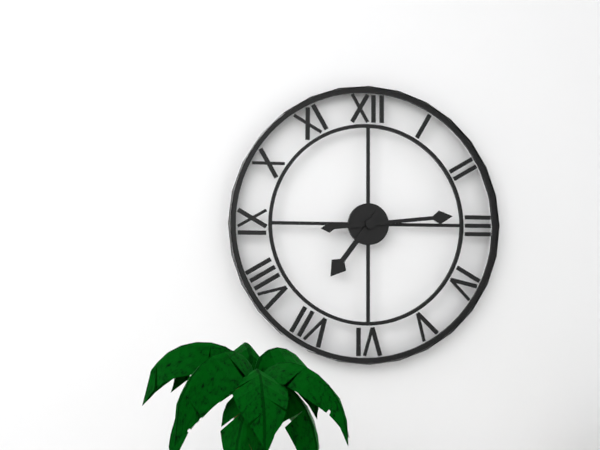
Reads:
h=7 m=14
